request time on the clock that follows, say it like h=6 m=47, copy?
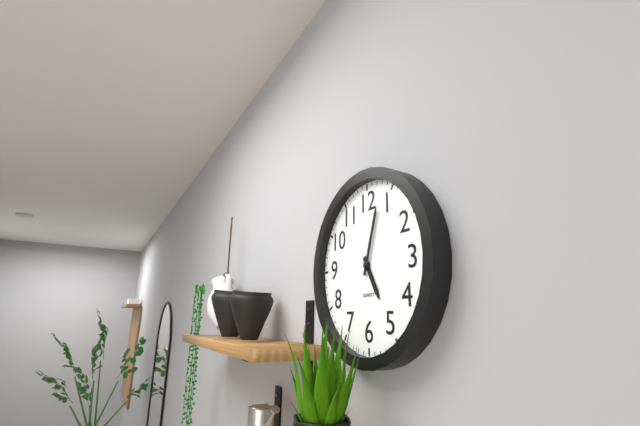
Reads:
h=5 m=3
